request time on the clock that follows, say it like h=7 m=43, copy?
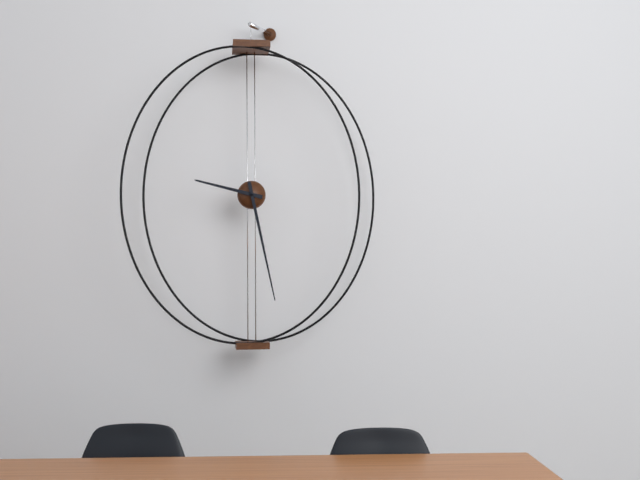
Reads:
h=9 m=28
